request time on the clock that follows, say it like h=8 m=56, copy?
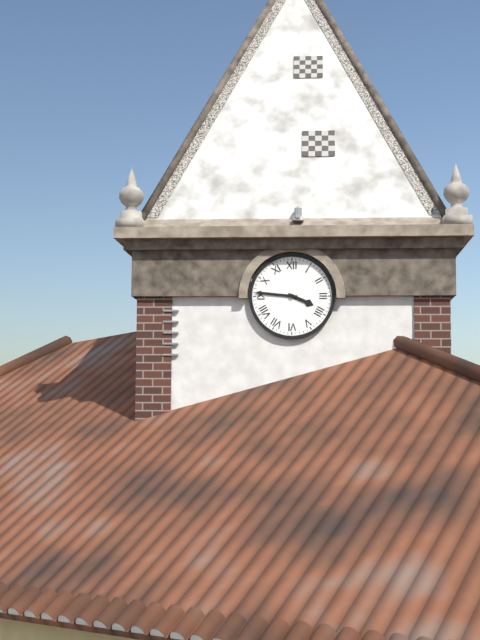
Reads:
h=3 m=46
